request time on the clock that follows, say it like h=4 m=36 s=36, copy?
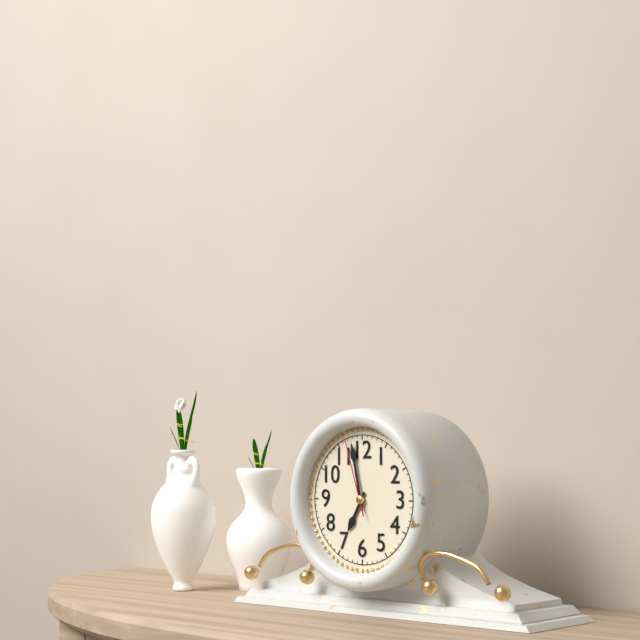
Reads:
h=6 m=58 s=57
